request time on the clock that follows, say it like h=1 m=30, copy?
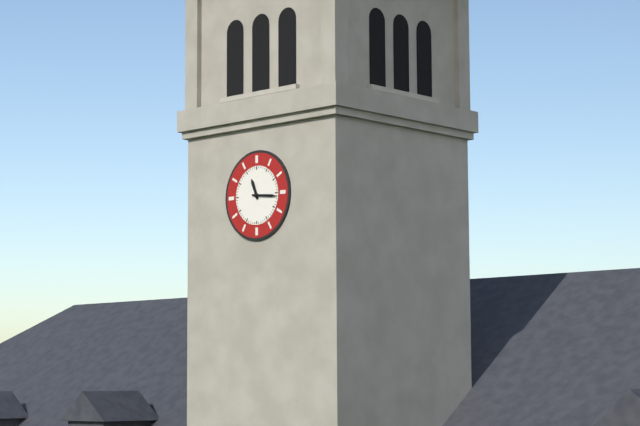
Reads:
h=11 m=16
